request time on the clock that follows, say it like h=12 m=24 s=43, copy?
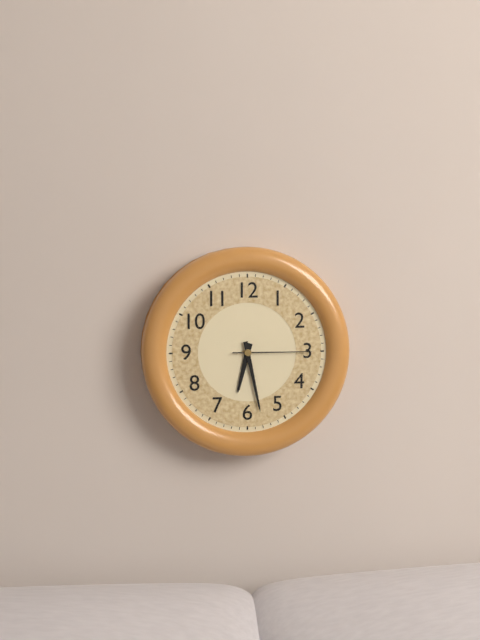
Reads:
h=6 m=28 s=15
